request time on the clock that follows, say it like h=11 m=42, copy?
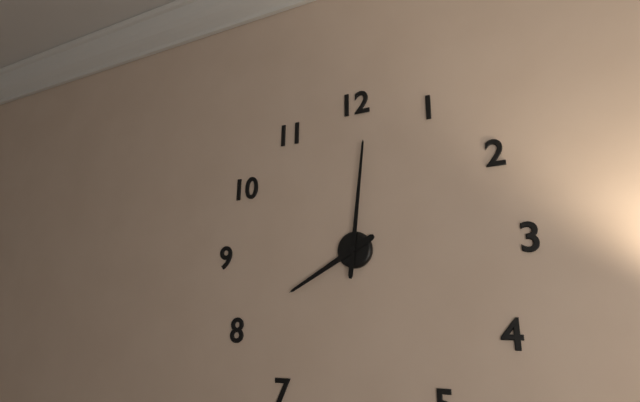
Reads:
h=8 m=1
